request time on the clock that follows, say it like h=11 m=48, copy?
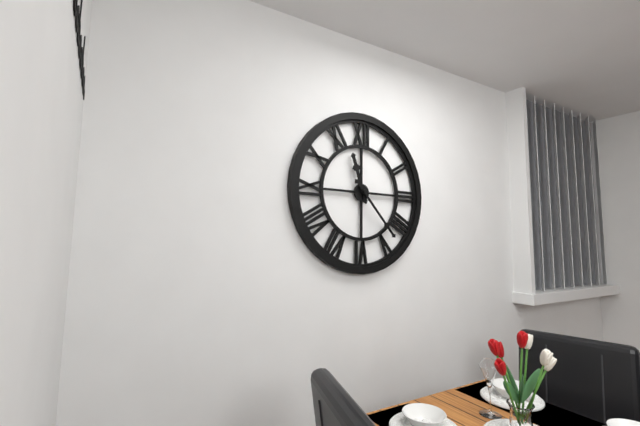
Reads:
h=11 m=23
